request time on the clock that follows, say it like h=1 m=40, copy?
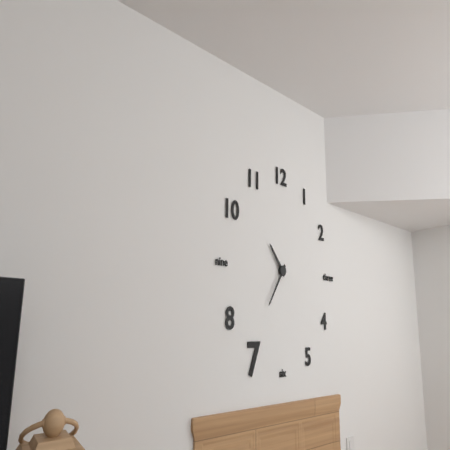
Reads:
h=10 m=36
